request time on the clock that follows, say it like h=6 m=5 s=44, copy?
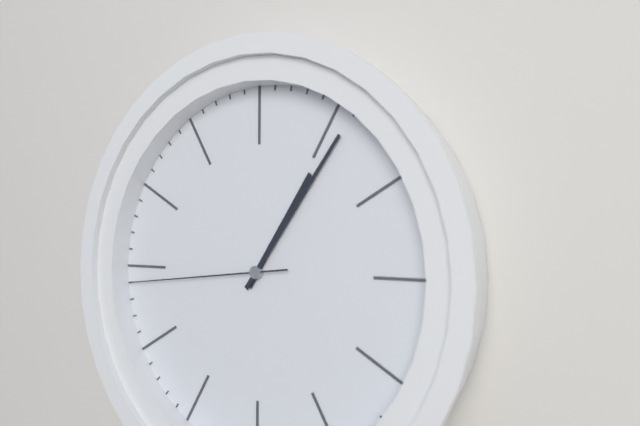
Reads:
h=1 m=6 s=44
